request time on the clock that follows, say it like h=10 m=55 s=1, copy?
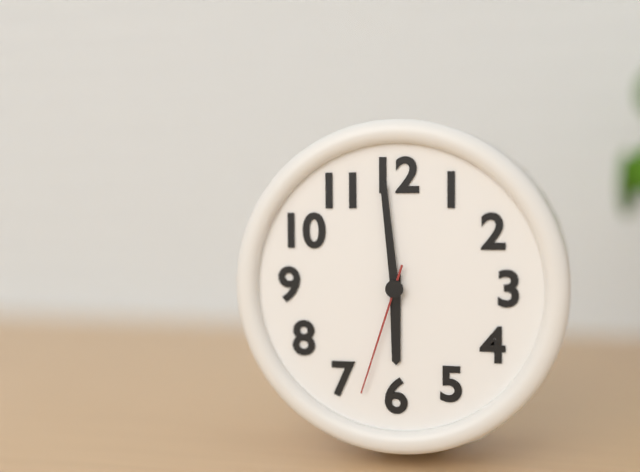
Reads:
h=5 m=59 s=33
